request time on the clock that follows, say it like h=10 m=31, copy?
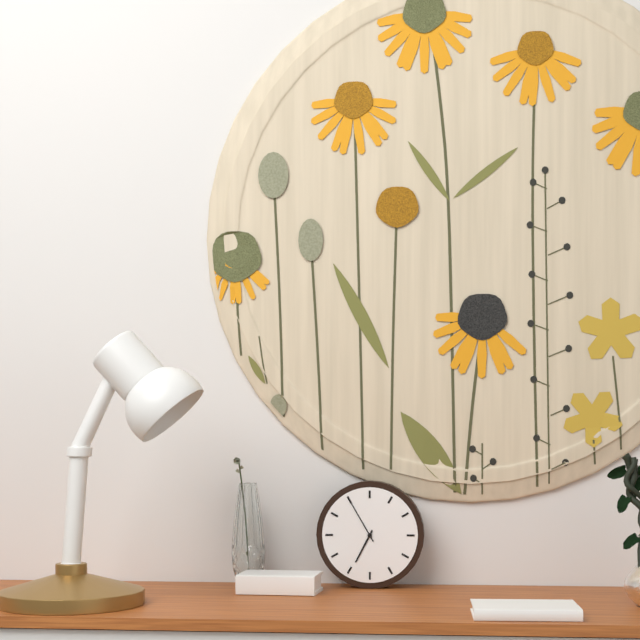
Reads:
h=6 m=55
